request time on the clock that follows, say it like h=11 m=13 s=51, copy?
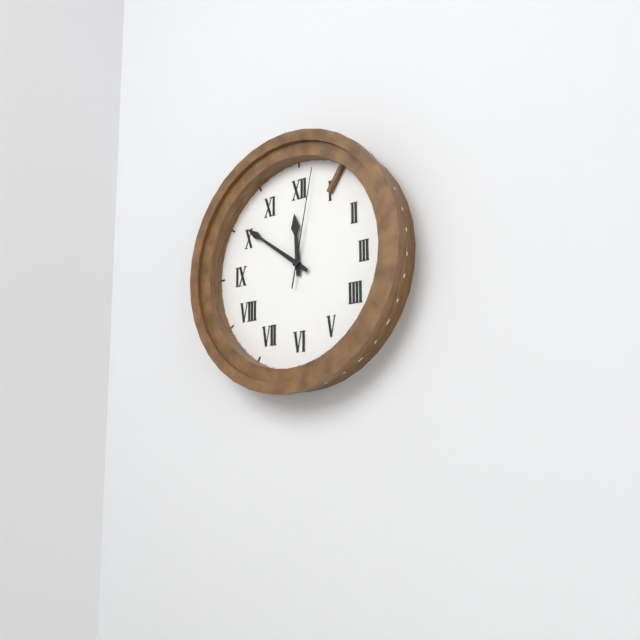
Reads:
h=11 m=51 s=2
